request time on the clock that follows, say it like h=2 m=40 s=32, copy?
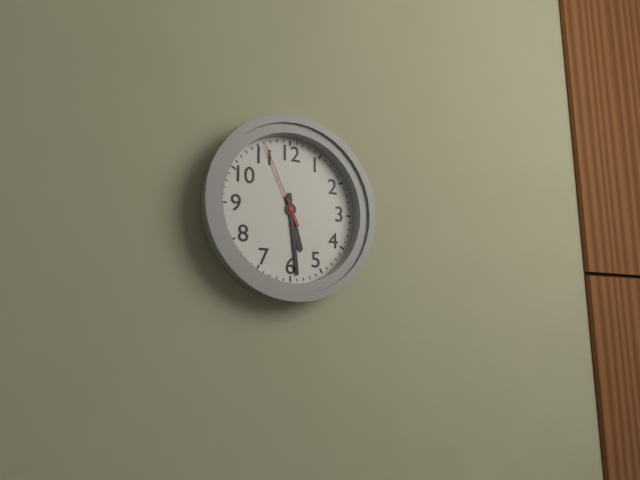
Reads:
h=5 m=29 s=56
